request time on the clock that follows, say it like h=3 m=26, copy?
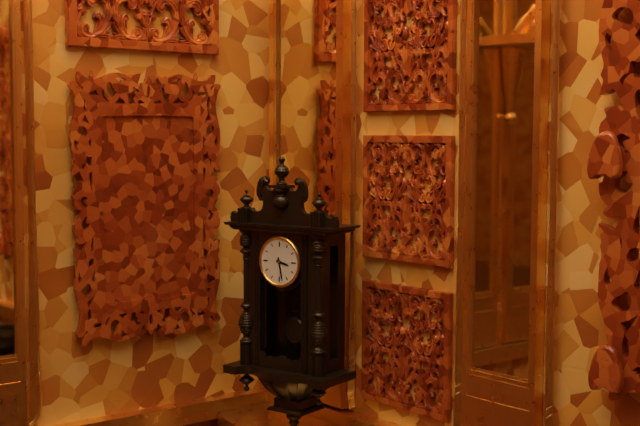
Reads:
h=3 m=28
